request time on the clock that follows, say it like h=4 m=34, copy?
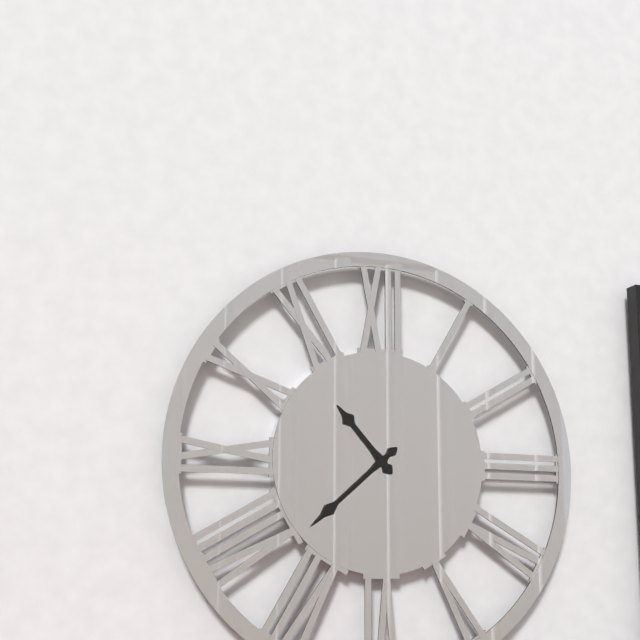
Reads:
h=10 m=38
